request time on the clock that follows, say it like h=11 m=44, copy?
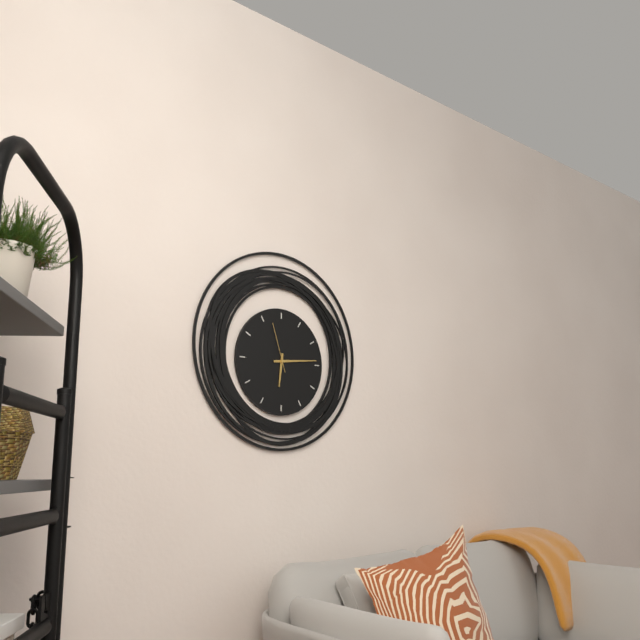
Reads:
h=6 m=14
